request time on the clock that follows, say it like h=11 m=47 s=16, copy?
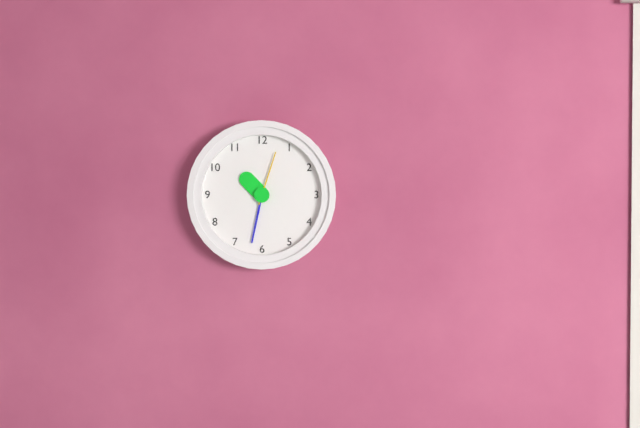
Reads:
h=10 m=32 s=3
